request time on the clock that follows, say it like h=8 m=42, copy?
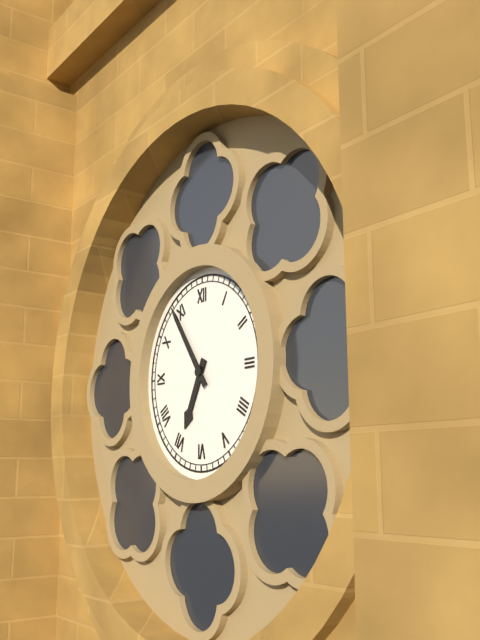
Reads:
h=6 m=54
